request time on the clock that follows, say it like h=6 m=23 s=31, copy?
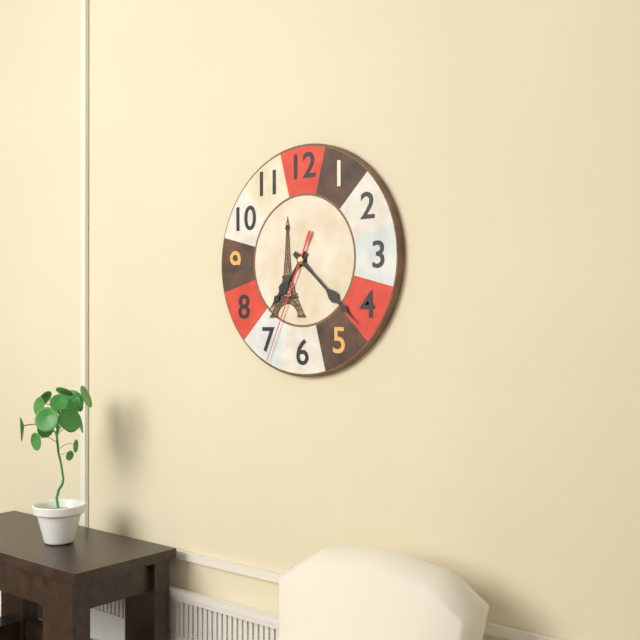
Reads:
h=7 m=22 s=34
